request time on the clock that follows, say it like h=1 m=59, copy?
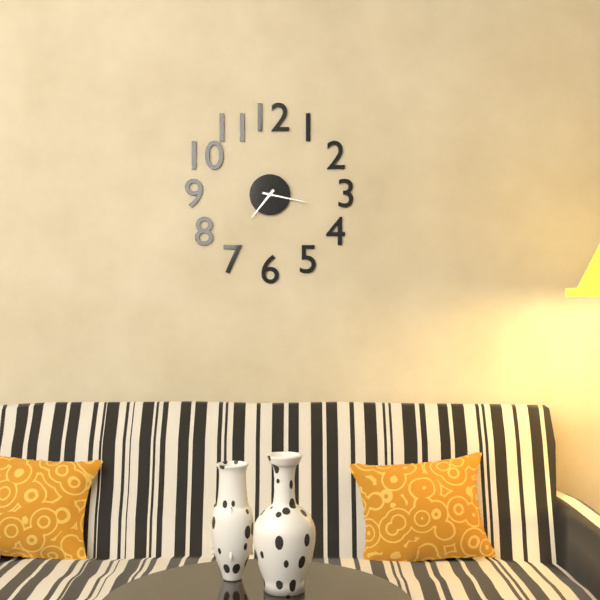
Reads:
h=7 m=17
